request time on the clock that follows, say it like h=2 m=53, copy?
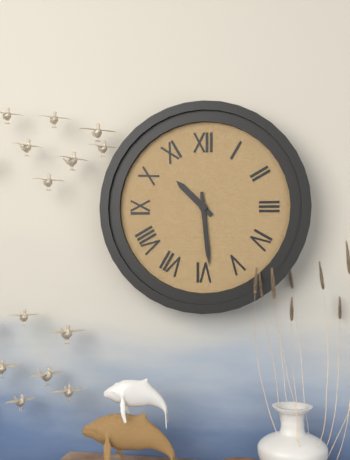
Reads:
h=10 m=29
